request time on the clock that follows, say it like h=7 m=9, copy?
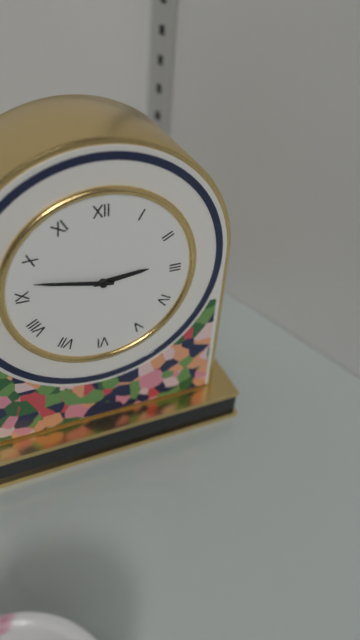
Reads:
h=2 m=47
